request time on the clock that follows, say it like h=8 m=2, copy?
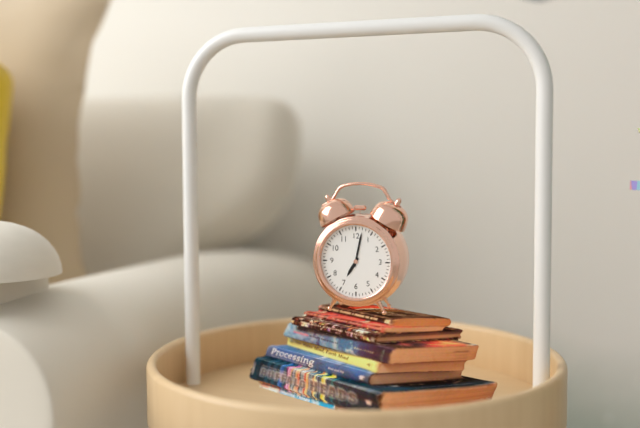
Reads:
h=7 m=2
